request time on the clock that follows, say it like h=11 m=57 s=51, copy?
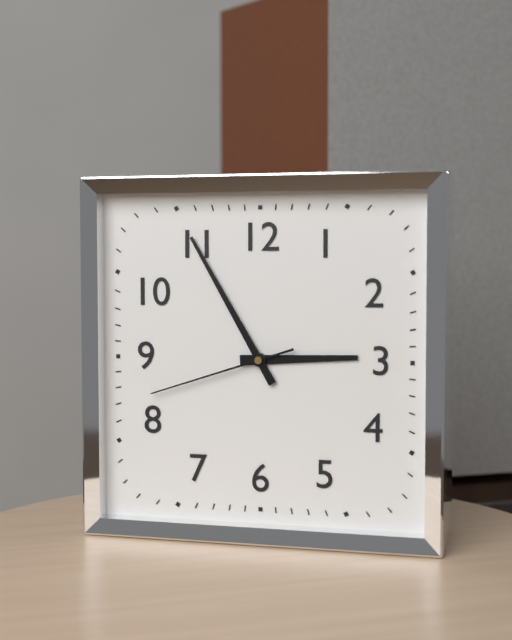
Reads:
h=2 m=55 s=42
